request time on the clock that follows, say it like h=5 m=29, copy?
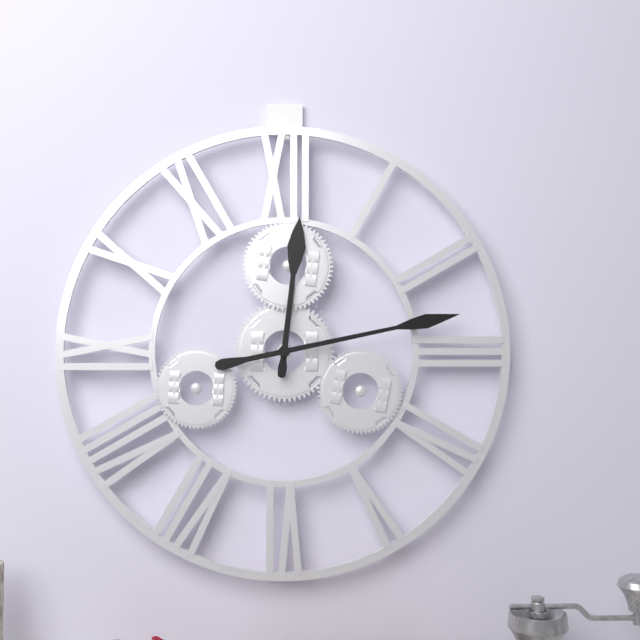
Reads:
h=12 m=13
